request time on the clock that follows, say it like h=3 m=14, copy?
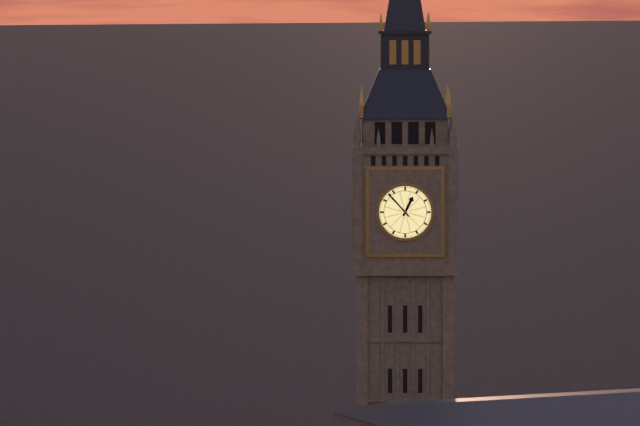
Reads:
h=12 m=53
